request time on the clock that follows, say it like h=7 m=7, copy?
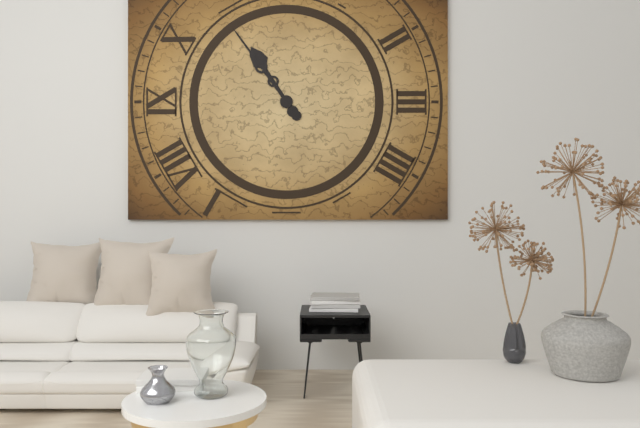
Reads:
h=10 m=54
